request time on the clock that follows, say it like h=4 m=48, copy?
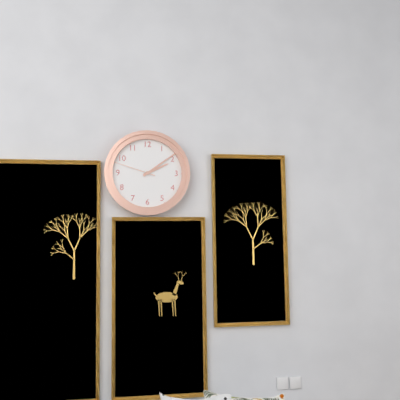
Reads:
h=2 m=9
